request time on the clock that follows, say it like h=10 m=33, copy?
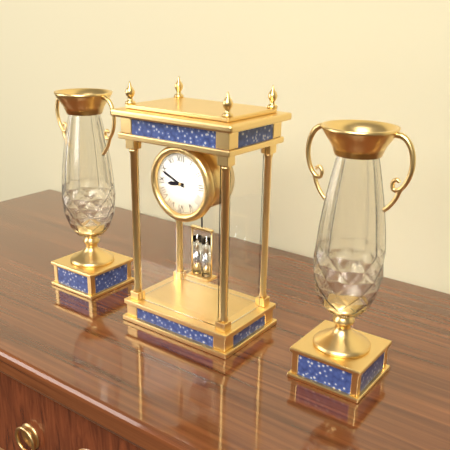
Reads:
h=8 m=49
